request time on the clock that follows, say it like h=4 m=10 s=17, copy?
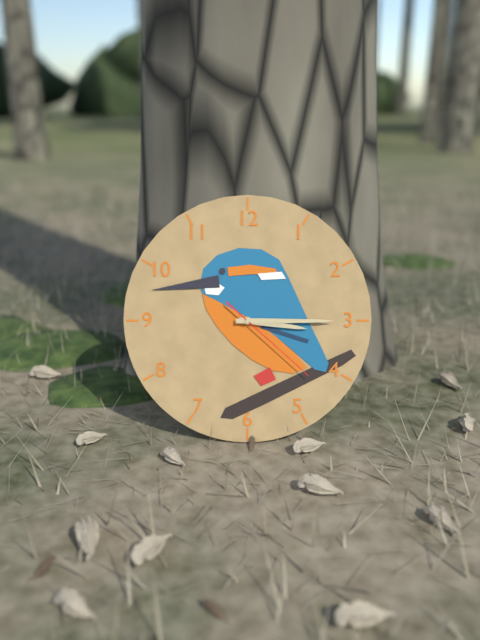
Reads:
h=3 m=15 s=22
